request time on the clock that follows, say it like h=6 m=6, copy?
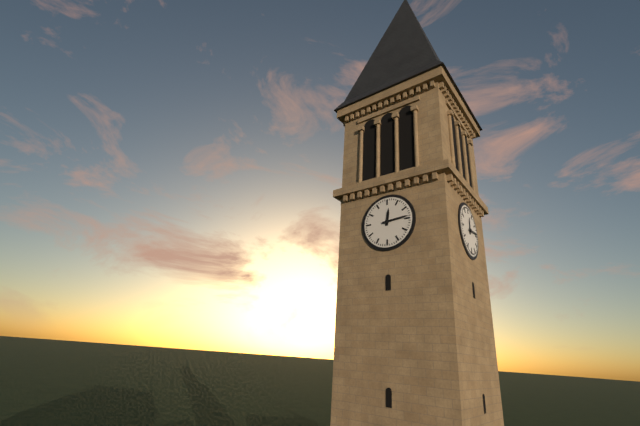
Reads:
h=12 m=14
